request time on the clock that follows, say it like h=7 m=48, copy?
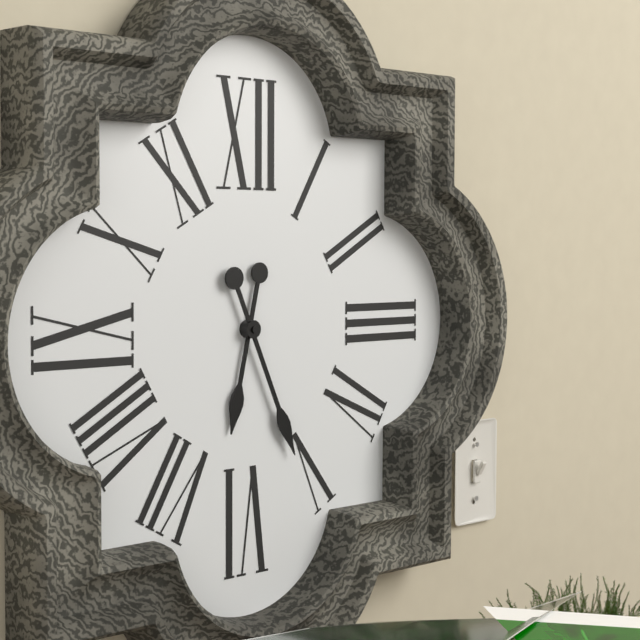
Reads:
h=6 m=26
